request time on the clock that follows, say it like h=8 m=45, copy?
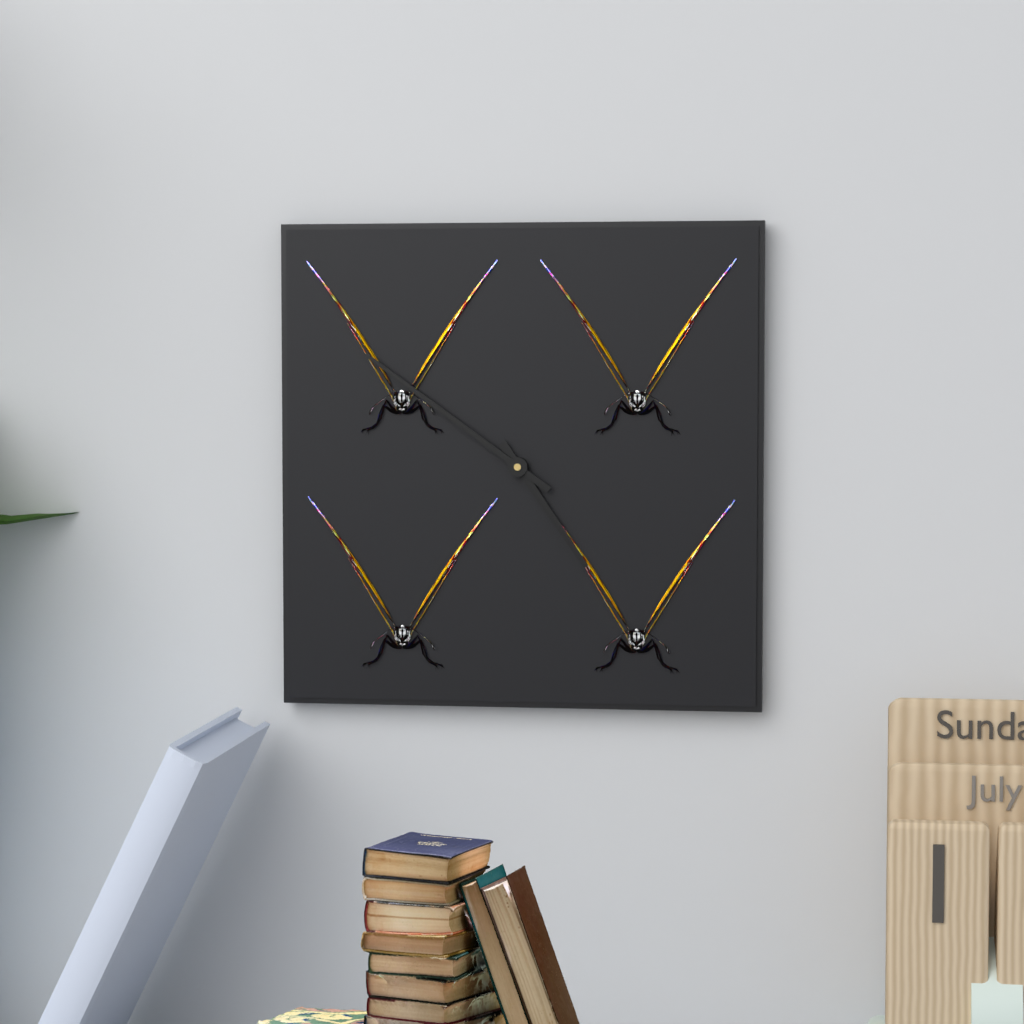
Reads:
h=4 m=51
